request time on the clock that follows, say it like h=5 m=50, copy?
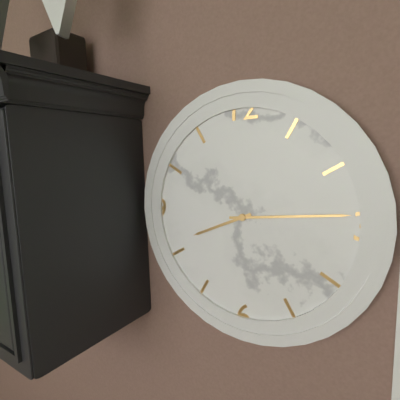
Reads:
h=8 m=14
